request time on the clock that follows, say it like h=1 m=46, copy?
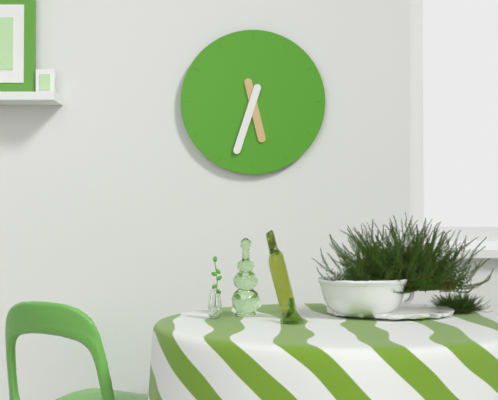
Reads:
h=5 m=33
